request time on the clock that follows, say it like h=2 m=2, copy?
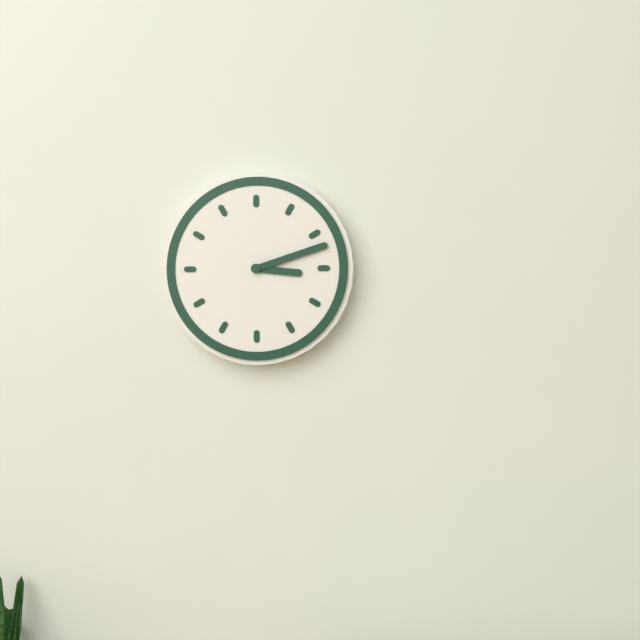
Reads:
h=3 m=12
